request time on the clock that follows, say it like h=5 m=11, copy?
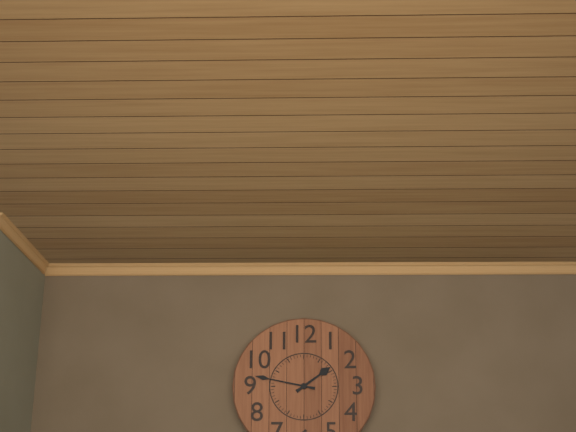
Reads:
h=1 m=47
